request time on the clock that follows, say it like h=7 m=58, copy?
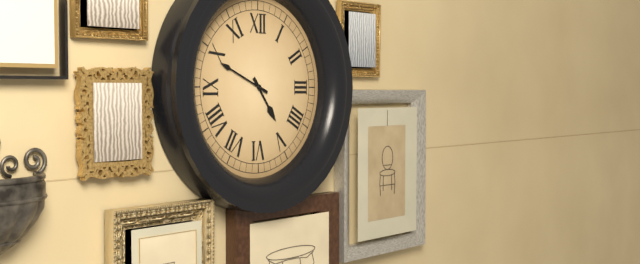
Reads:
h=4 m=49
